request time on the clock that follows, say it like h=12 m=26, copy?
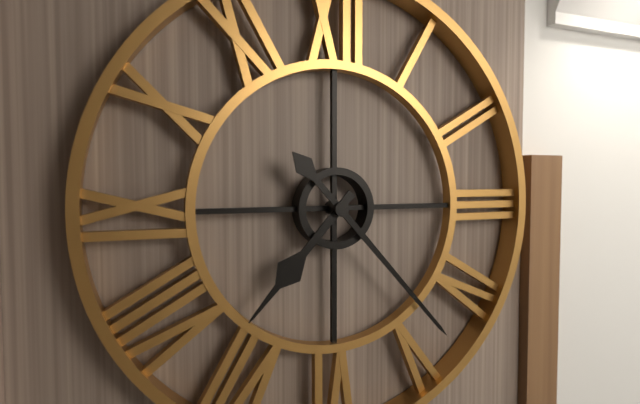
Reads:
h=7 m=23
